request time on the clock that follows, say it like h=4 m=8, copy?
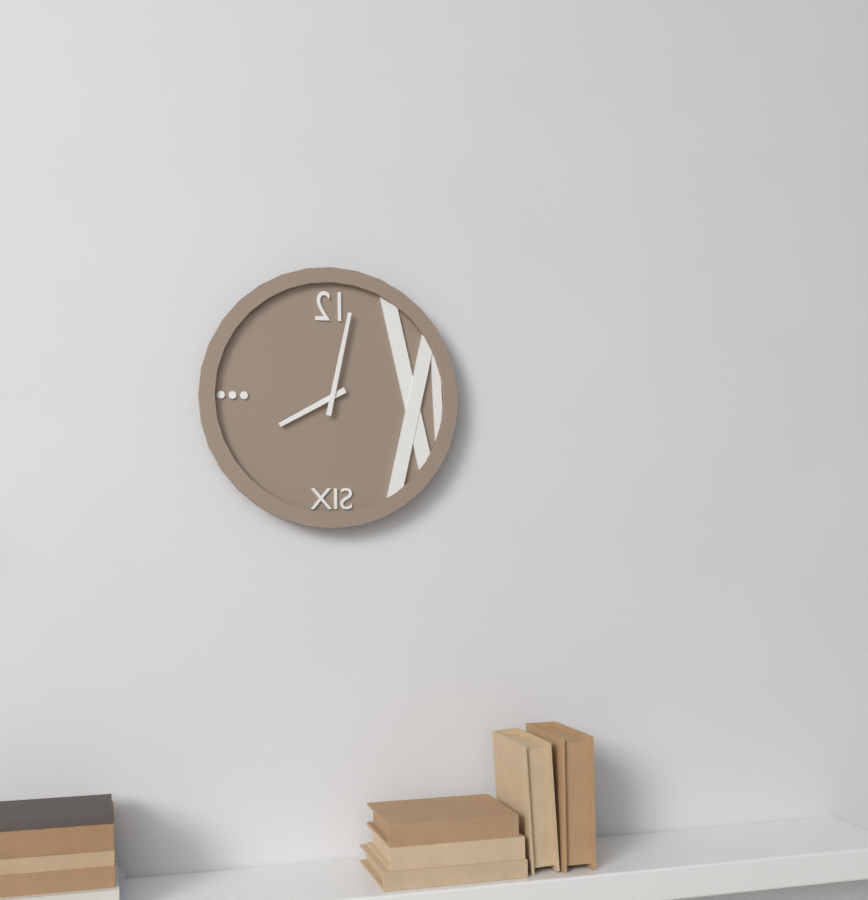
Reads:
h=8 m=2
